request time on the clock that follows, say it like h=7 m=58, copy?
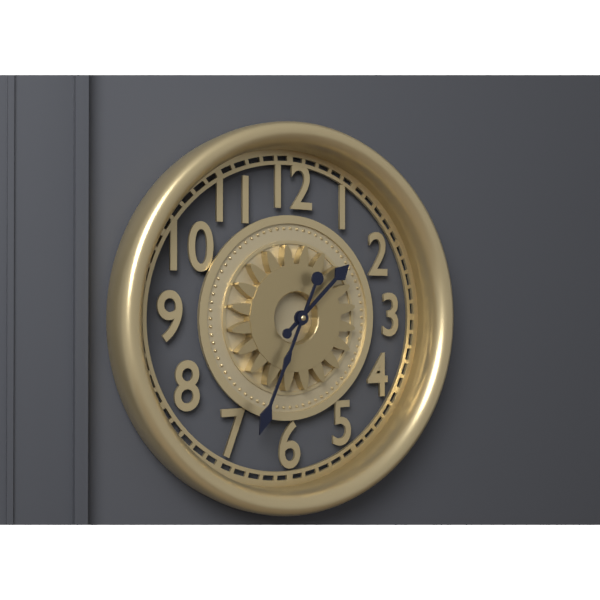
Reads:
h=1 m=34
